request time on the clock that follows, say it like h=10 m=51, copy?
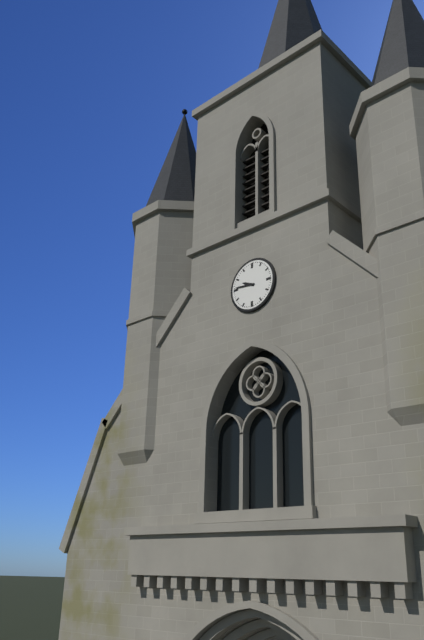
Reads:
h=9 m=46
